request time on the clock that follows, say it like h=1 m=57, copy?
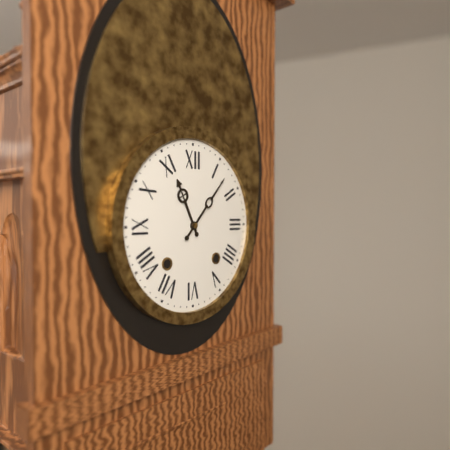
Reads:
h=11 m=7
